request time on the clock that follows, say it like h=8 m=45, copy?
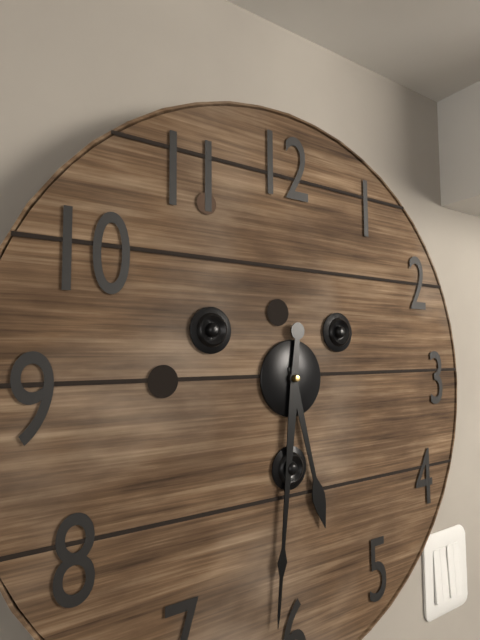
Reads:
h=5 m=31
